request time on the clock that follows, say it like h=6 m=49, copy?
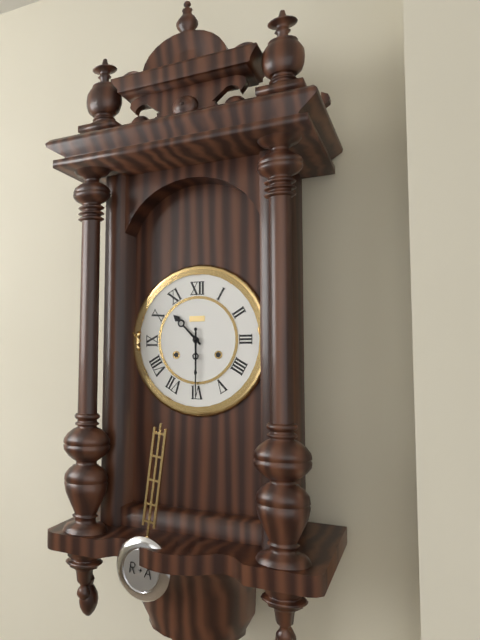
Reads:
h=10 m=30
